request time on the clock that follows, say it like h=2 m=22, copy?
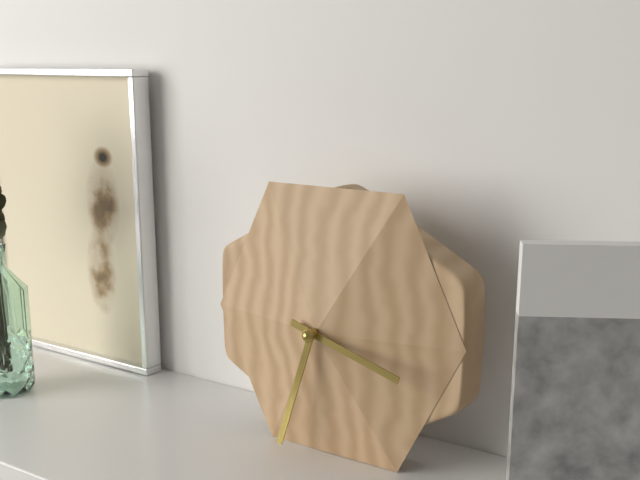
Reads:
h=3 m=33
